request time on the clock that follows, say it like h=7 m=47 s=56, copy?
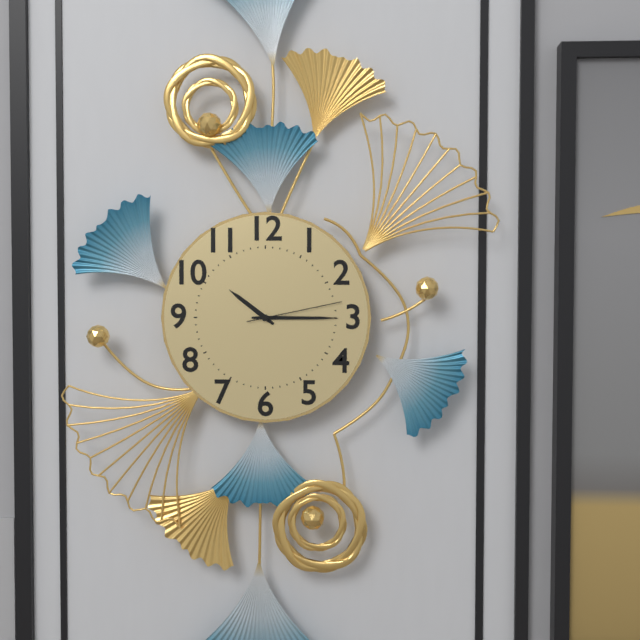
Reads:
h=10 m=15 s=13
